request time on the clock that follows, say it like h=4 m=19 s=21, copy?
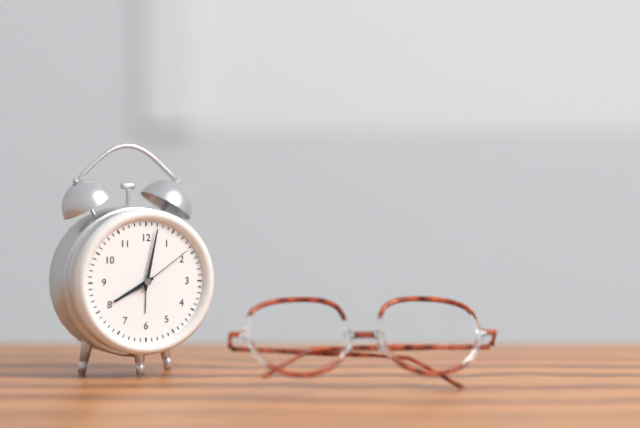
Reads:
h=8 m=2 s=9
